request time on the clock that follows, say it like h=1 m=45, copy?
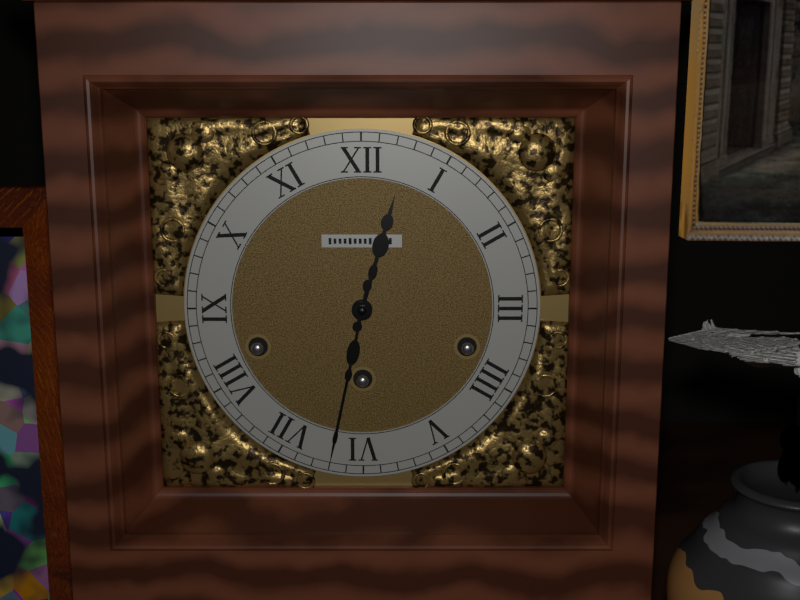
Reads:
h=12 m=32
